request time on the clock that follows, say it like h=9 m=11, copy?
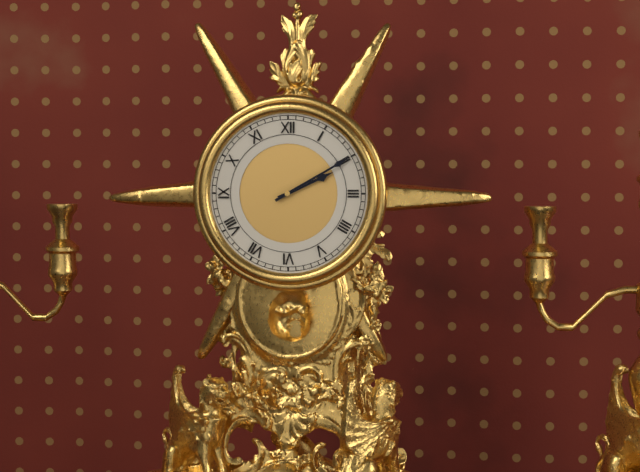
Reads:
h=2 m=10
